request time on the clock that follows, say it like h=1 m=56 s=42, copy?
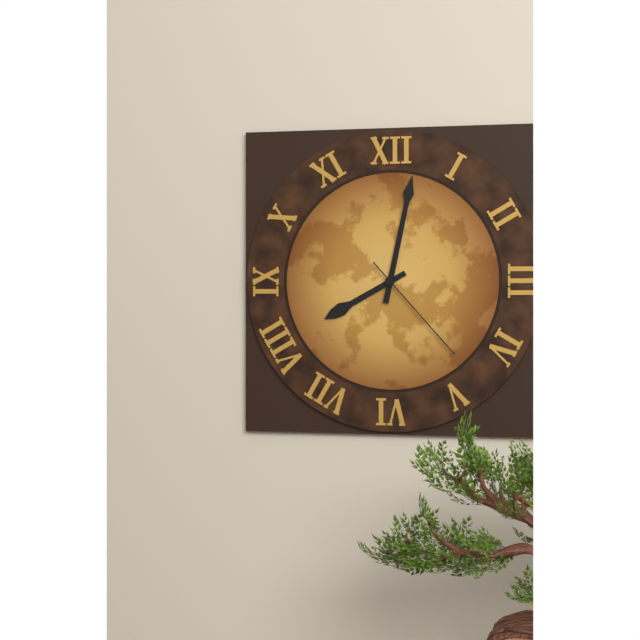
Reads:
h=8 m=2 s=23
